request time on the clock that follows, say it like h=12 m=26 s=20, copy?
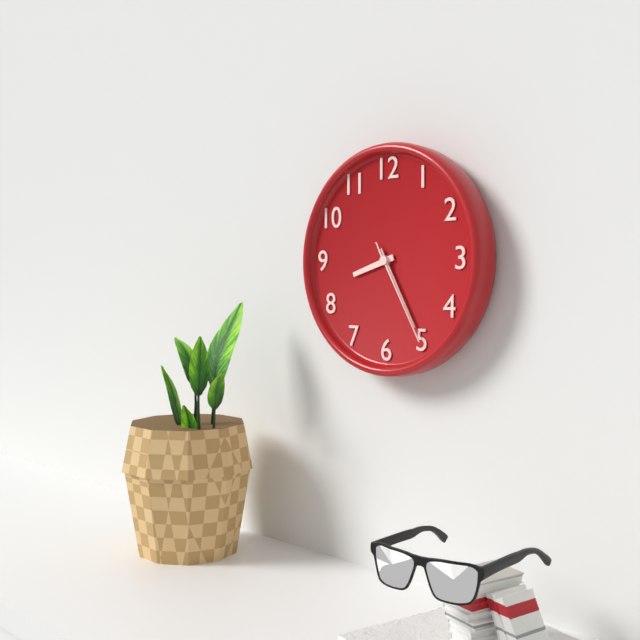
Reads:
h=8 m=25 s=25
